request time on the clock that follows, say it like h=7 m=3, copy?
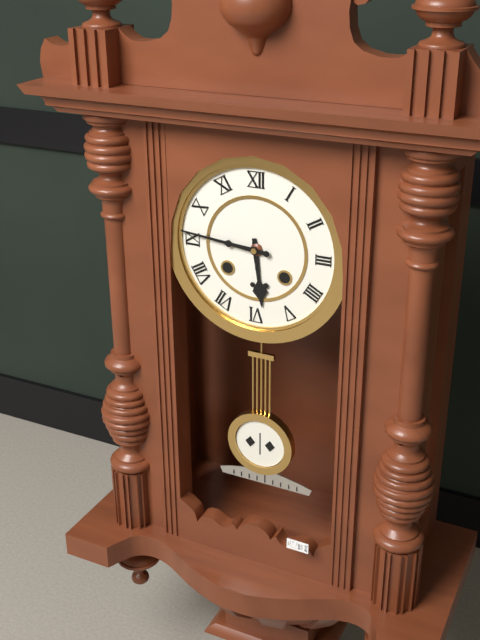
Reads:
h=5 m=46
